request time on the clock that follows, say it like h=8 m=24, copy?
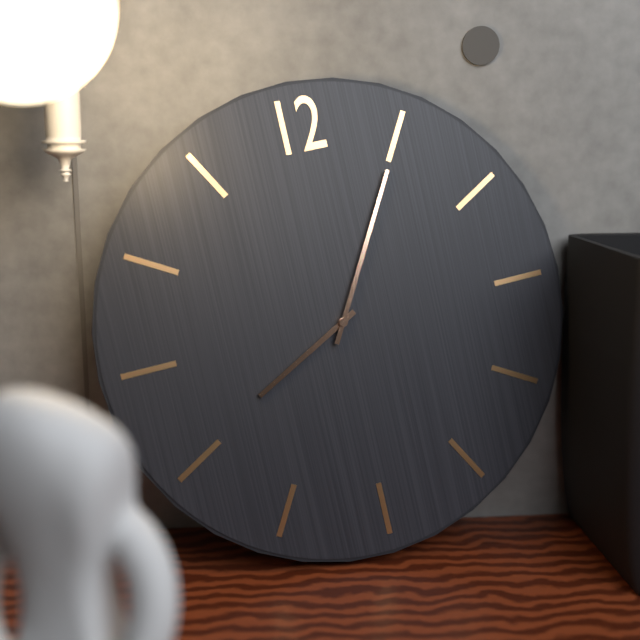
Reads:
h=8 m=5
